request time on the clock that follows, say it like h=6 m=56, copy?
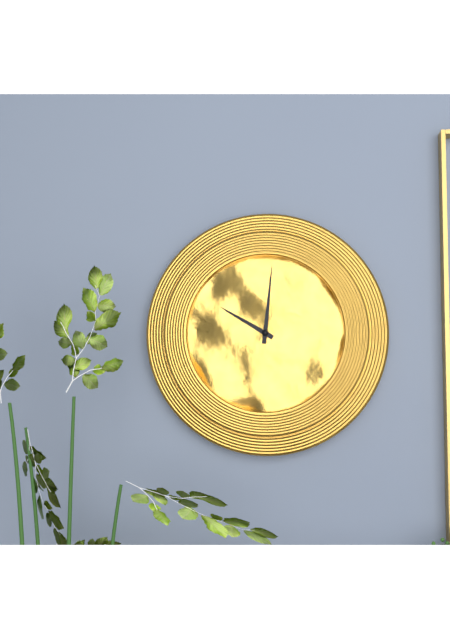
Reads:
h=10 m=1
